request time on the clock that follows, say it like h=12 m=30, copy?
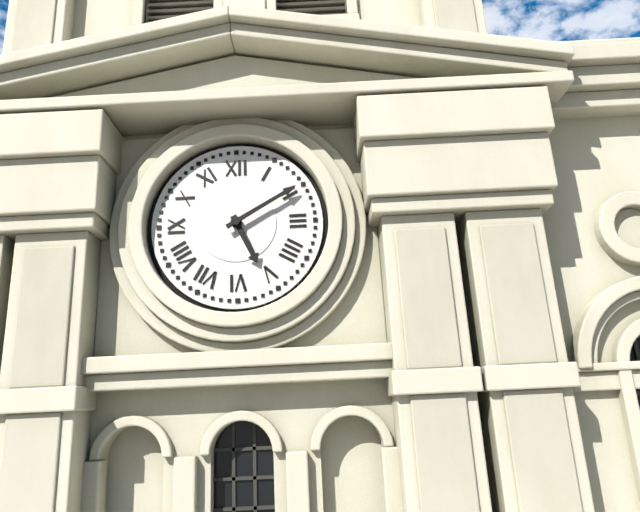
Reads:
h=5 m=10
